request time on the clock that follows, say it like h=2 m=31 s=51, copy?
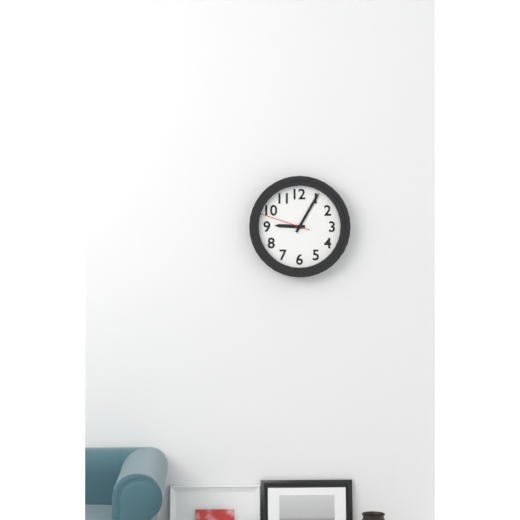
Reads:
h=9 m=5 s=48
